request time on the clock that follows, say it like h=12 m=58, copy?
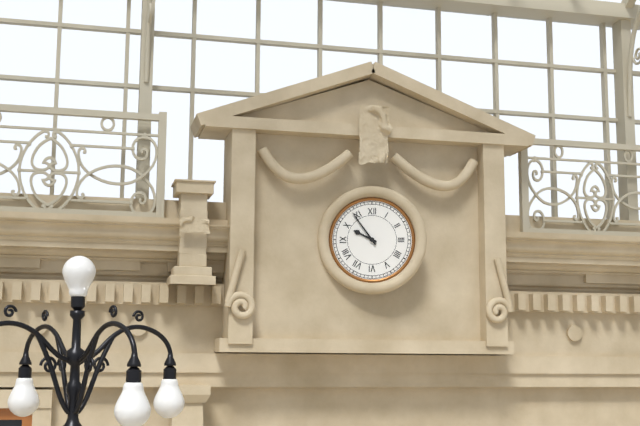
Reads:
h=9 m=54
